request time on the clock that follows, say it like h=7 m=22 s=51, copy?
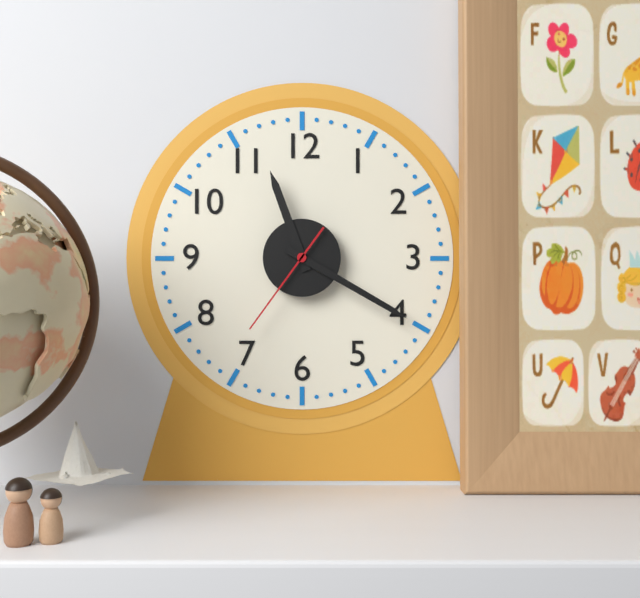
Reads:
h=11 m=20 s=36
